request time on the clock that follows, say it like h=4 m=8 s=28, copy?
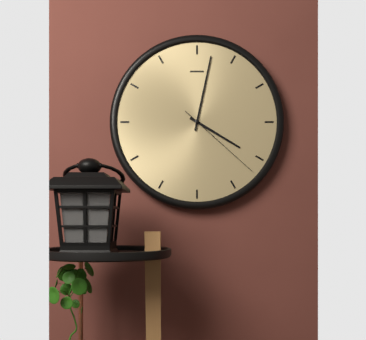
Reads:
h=4 m=2 s=22
